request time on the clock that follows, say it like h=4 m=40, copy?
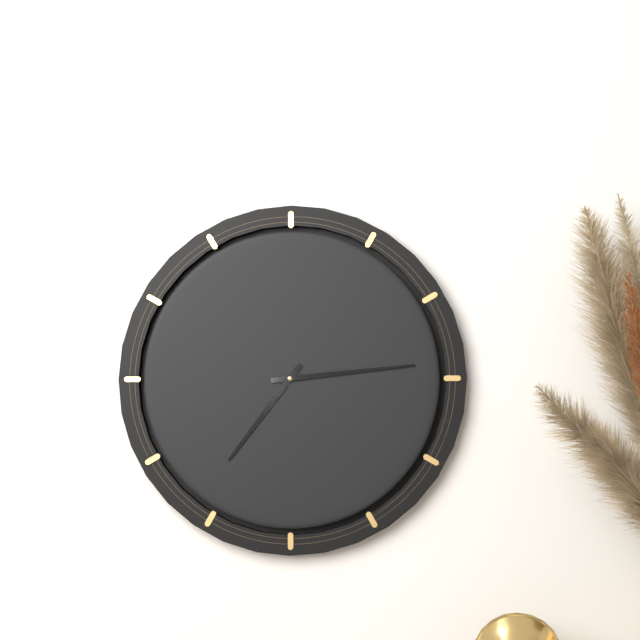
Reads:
h=7 m=14
